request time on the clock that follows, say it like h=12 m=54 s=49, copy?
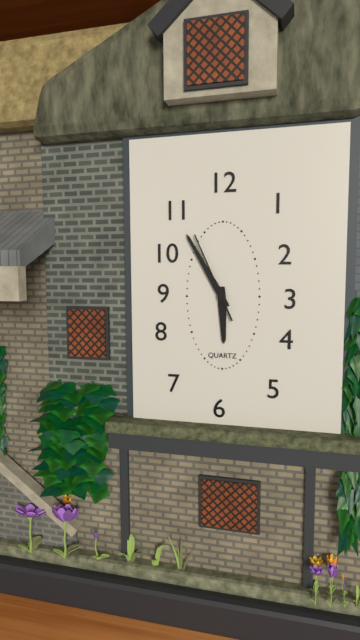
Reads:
h=5 m=55 s=56
